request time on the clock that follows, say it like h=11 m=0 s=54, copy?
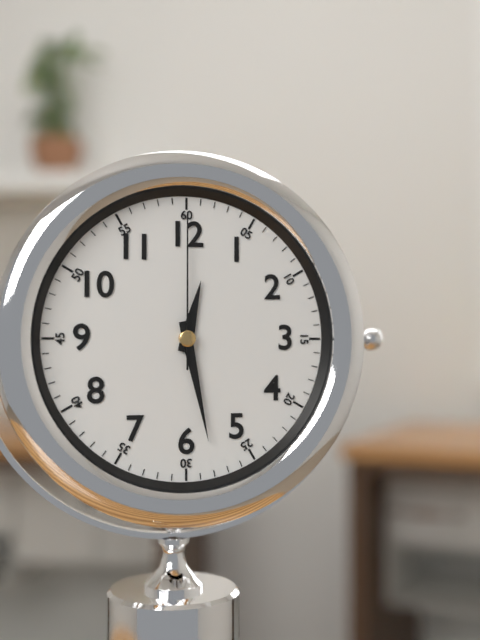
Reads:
h=12 m=28 s=0
